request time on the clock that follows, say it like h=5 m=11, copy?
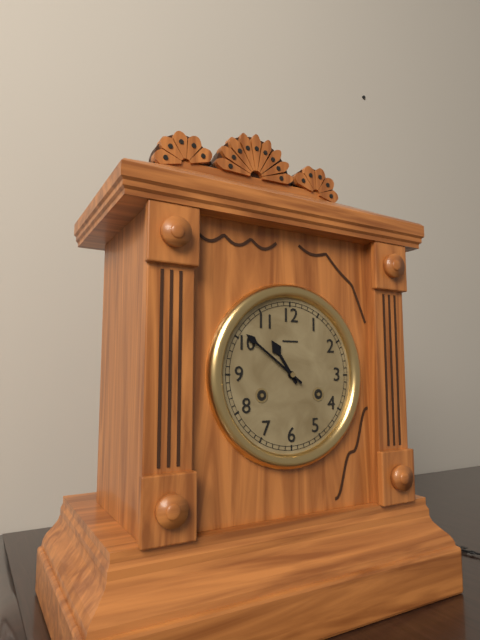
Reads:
h=10 m=51
